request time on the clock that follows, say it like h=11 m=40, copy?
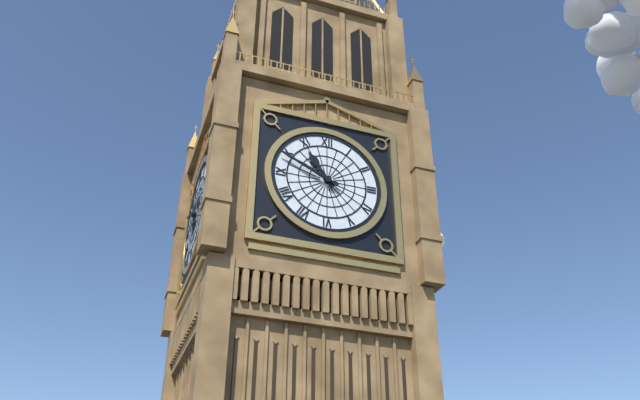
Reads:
h=10 m=49
